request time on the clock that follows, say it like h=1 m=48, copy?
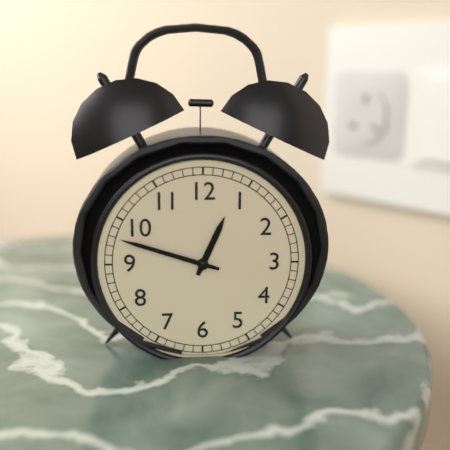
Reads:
h=12 m=48
